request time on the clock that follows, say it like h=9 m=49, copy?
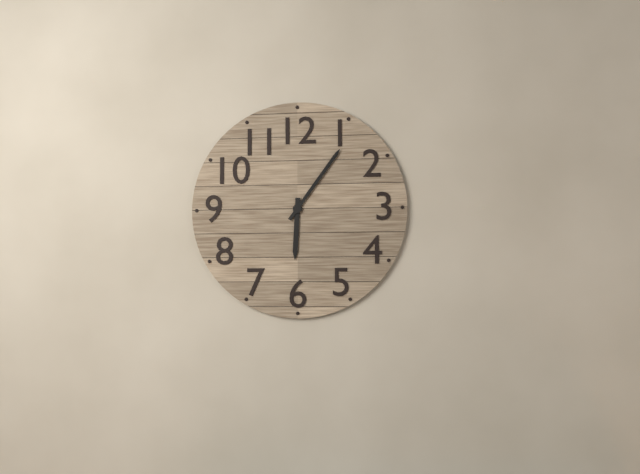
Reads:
h=6 m=6
